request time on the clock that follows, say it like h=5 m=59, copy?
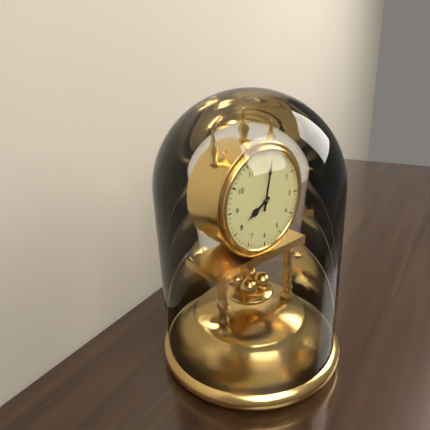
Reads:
h=8 m=2
